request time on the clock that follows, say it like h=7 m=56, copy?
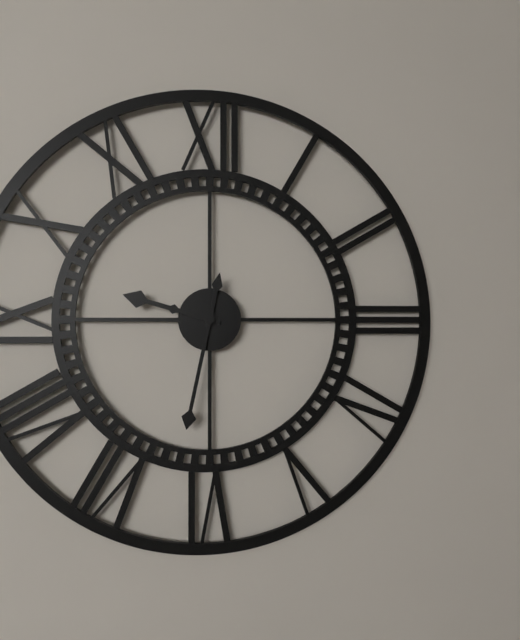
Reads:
h=9 m=32
